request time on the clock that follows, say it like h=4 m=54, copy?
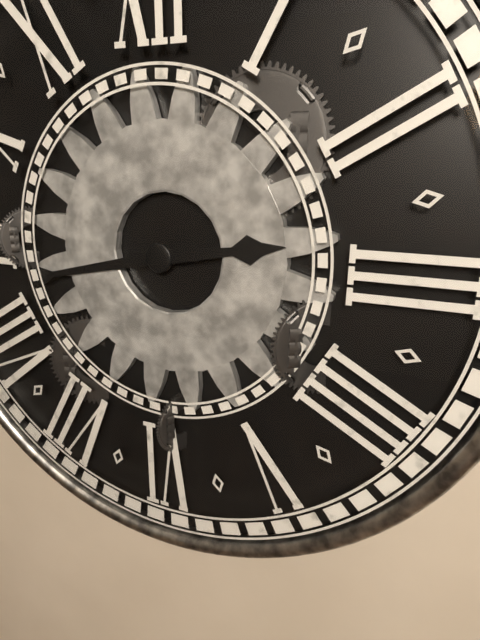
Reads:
h=2 m=43
